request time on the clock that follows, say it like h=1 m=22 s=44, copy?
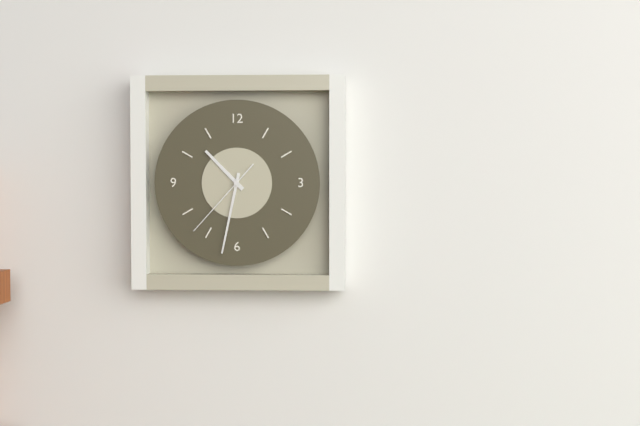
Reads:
h=10 m=32 s=37
